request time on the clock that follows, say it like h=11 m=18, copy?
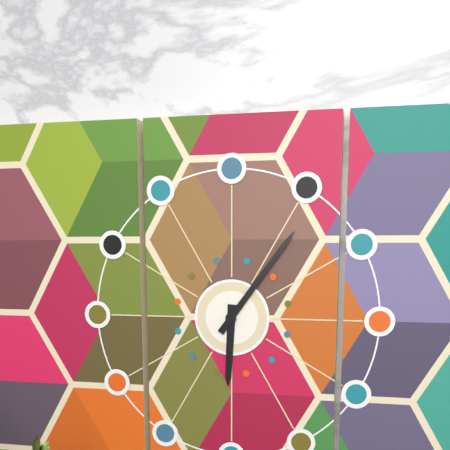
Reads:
h=6 m=6
